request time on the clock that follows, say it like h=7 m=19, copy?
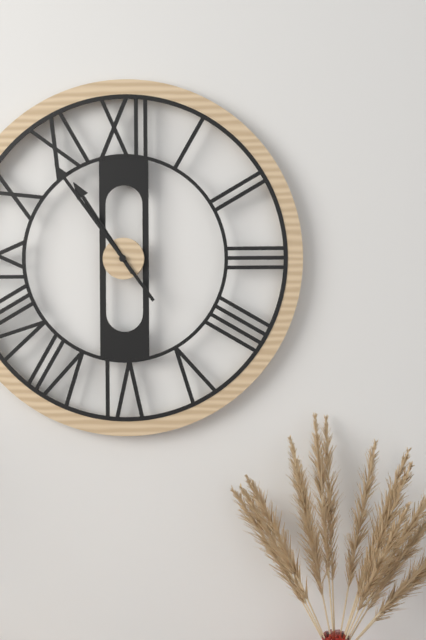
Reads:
h=10 m=54
